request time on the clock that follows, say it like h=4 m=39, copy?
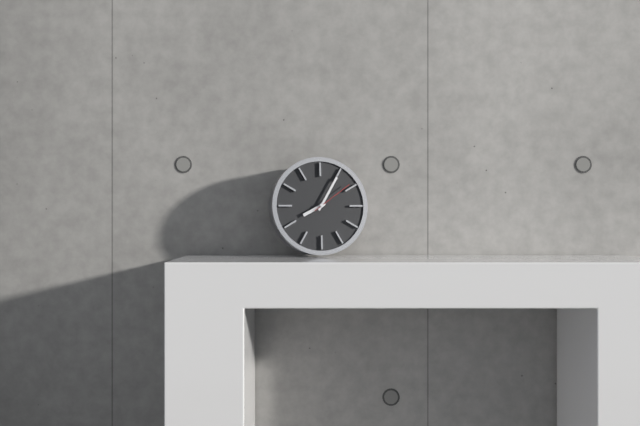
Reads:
h=8 m=5
